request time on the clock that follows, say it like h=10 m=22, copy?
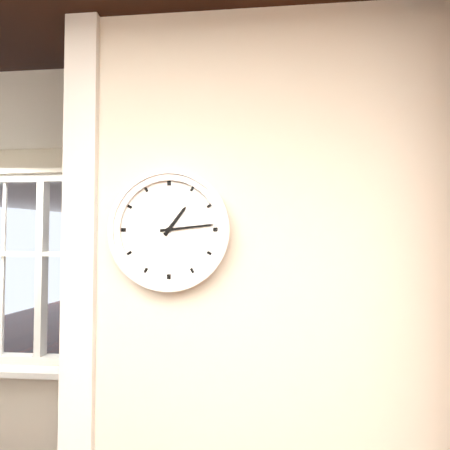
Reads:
h=1 m=14
